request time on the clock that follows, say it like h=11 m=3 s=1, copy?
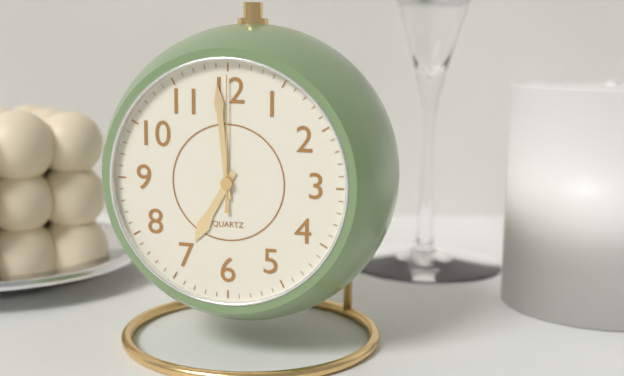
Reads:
h=6 m=59 s=0
